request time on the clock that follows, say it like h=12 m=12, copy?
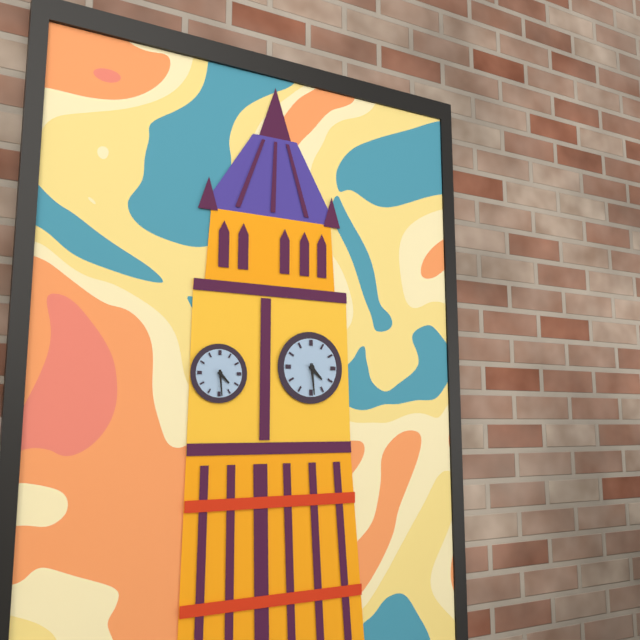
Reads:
h=4 m=29
